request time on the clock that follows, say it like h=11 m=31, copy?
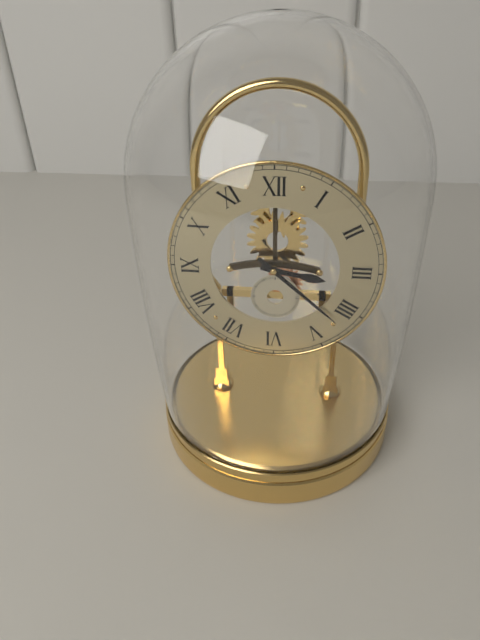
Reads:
h=3 m=22
